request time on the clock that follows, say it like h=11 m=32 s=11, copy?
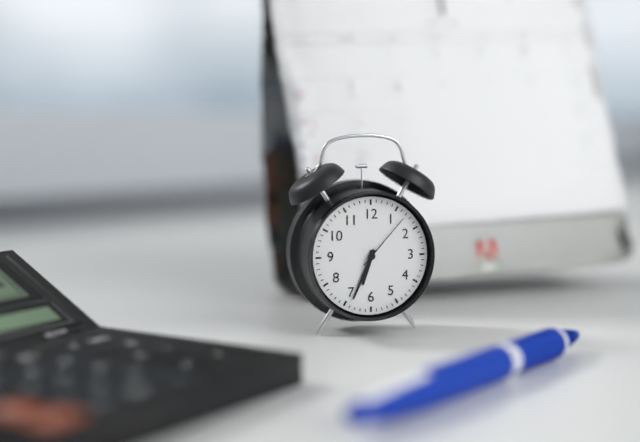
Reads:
h=6 m=34 s=7
